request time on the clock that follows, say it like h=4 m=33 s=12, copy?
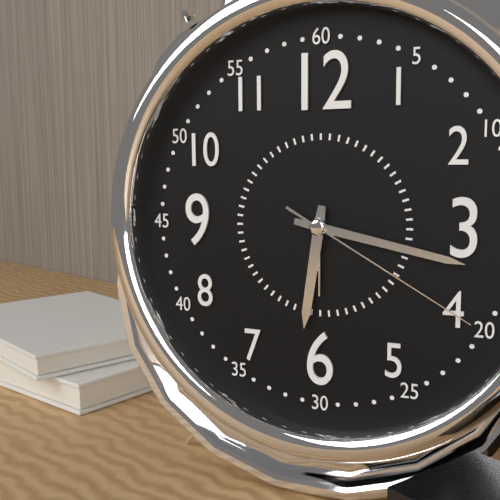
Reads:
h=6 m=17 s=20
